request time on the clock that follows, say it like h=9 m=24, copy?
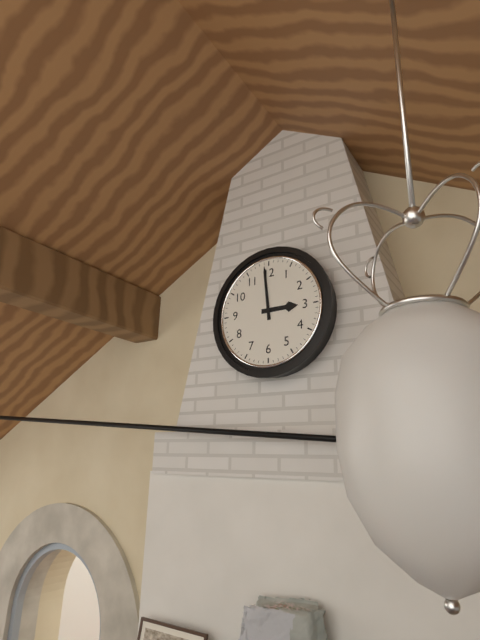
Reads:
h=2 m=59
